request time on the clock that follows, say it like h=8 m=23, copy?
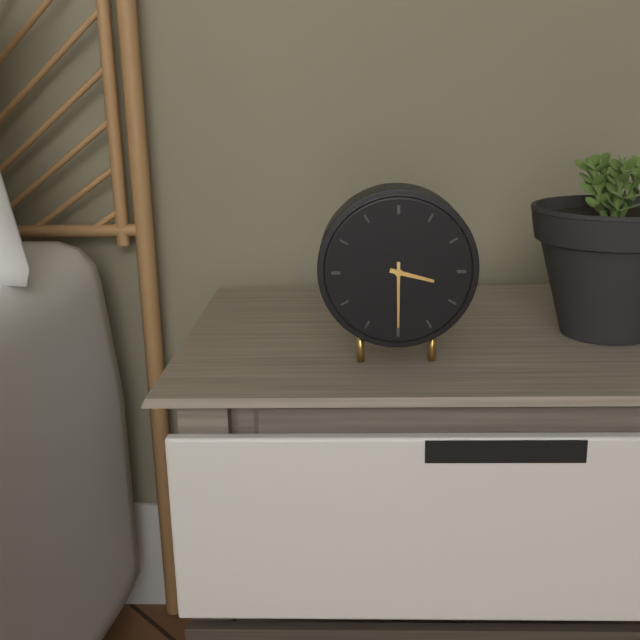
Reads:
h=3 m=30
